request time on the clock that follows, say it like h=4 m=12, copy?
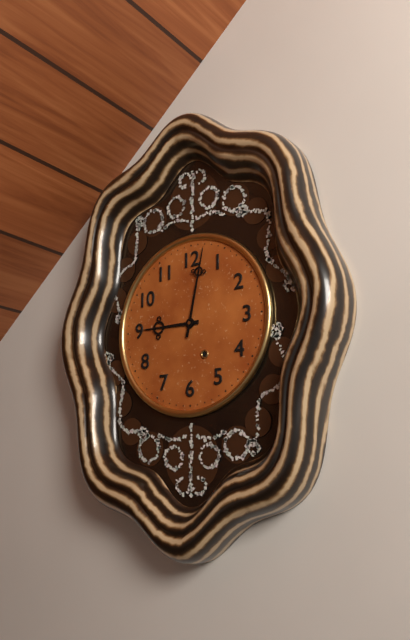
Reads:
h=9 m=2
